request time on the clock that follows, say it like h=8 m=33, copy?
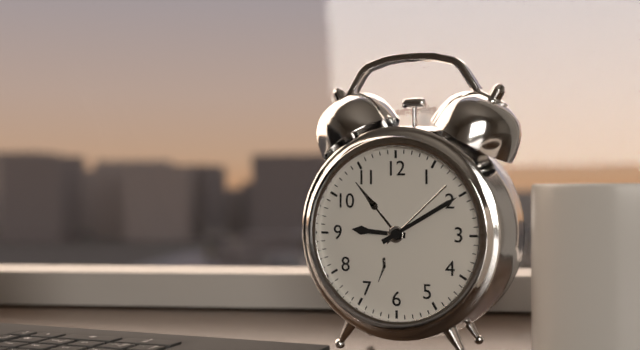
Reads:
h=9 m=10
